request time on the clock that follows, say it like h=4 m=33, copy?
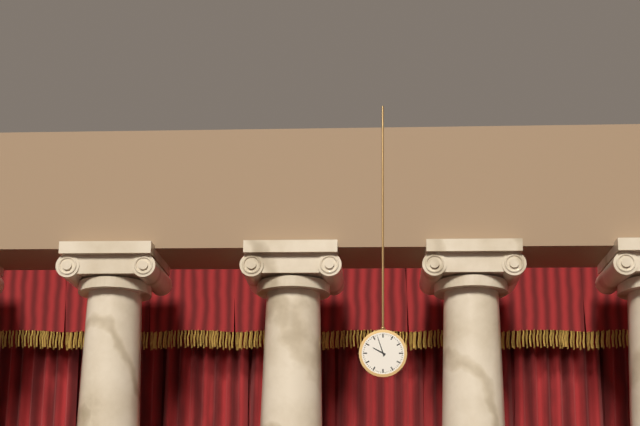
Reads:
h=9 m=57
